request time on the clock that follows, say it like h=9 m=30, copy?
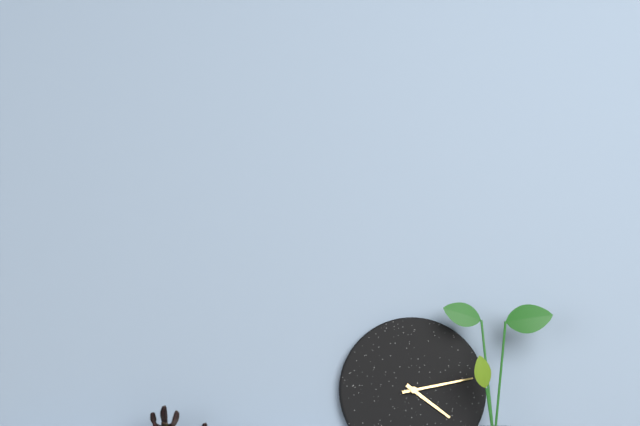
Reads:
h=4 m=13
